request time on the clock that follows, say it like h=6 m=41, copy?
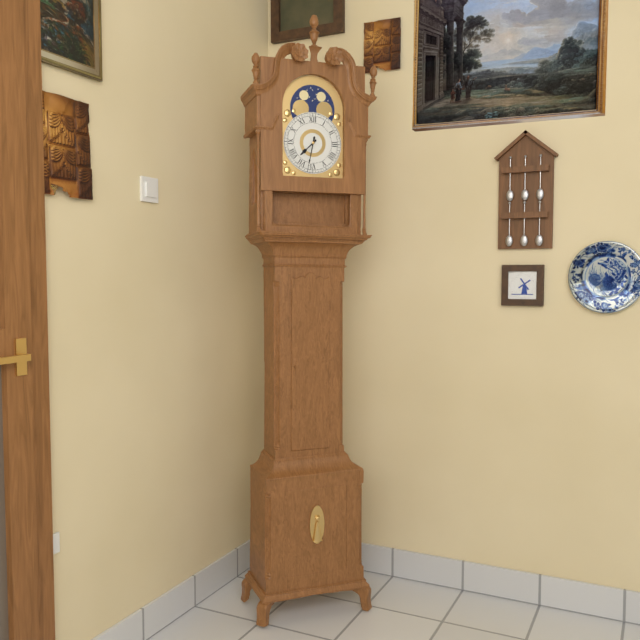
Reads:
h=7 m=32
